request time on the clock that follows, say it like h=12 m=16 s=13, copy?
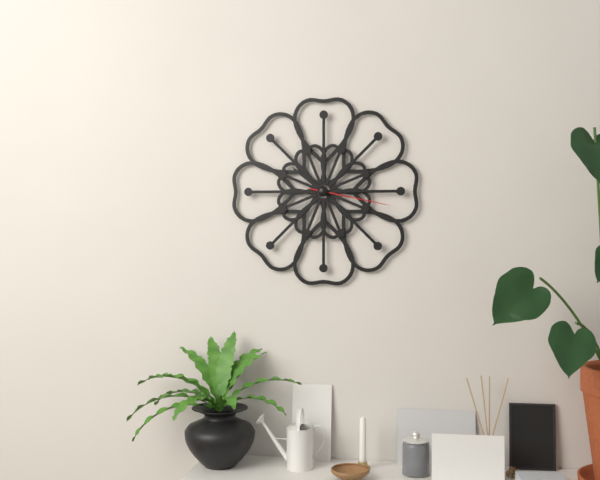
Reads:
h=10 m=15 s=17
